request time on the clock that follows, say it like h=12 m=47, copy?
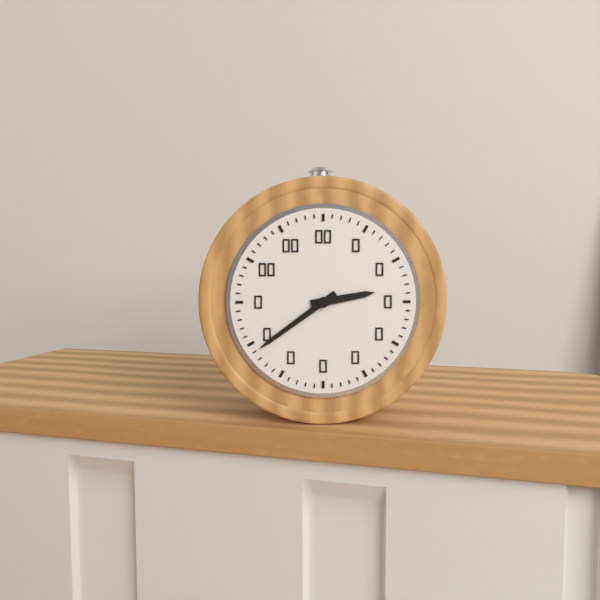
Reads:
h=2 m=39
